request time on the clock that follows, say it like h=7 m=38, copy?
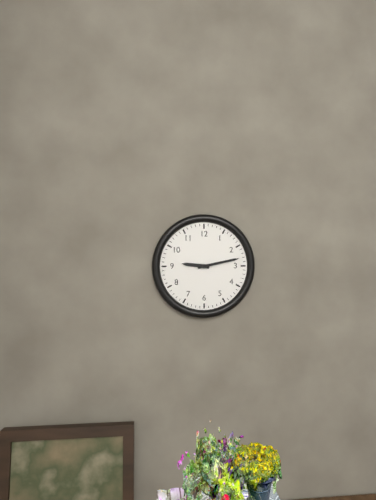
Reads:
h=9 m=13
